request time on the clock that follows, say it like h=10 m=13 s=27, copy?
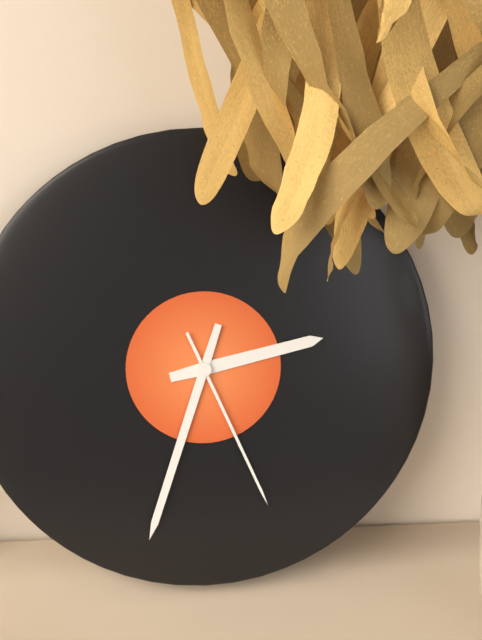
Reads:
h=2 m=33 s=26
